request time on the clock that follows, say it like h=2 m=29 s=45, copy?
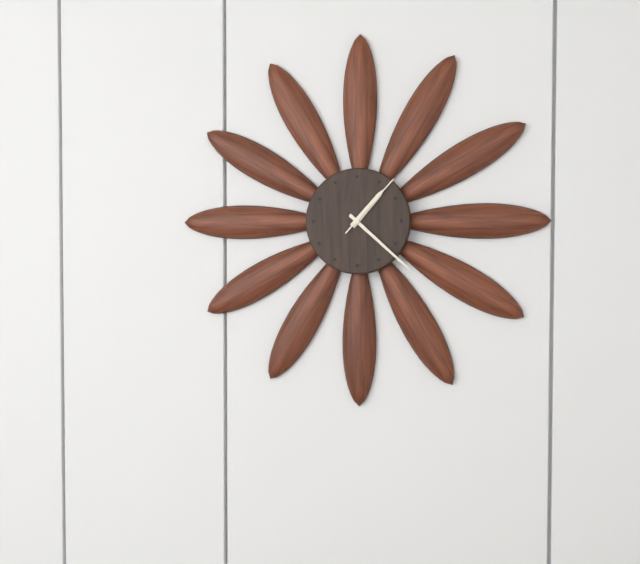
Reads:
h=1 m=22 s=7
